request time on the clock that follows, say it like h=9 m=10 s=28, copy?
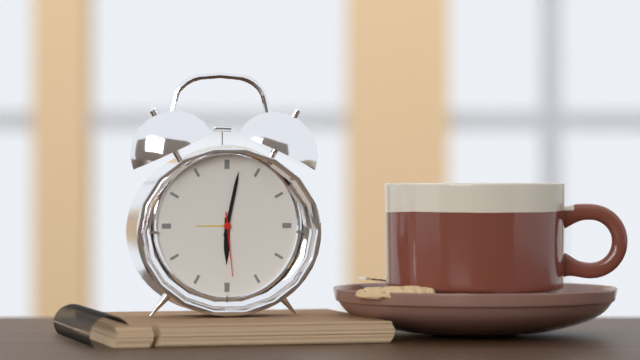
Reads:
h=6 m=2 s=29
